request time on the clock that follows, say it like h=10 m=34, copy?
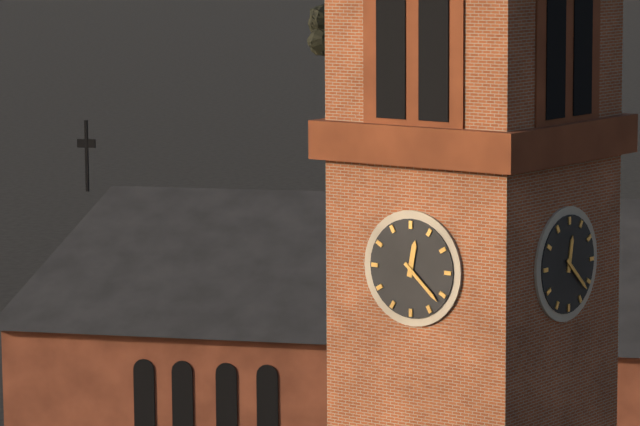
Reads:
h=12 m=22
